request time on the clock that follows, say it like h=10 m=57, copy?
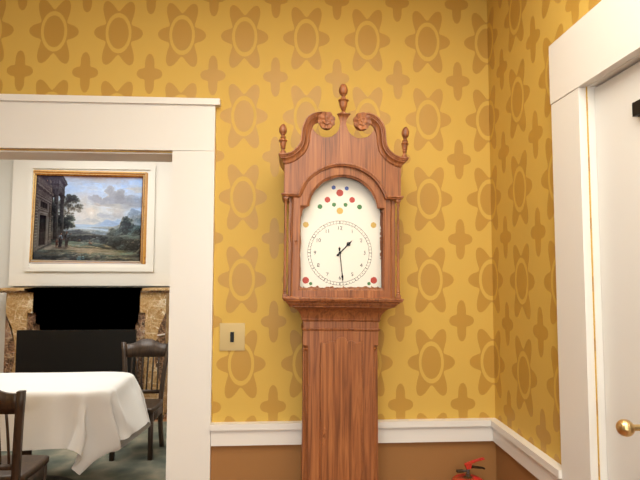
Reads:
h=1 m=29
